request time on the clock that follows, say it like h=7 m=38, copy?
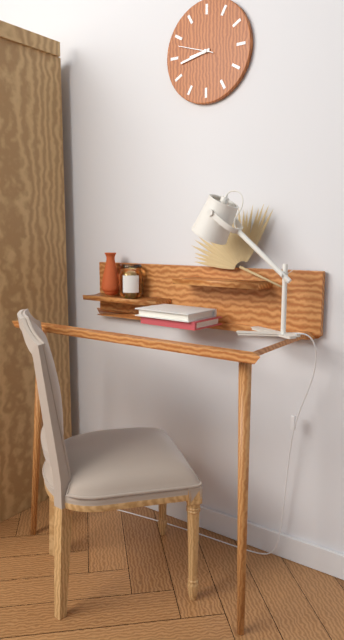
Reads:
h=8 m=43
